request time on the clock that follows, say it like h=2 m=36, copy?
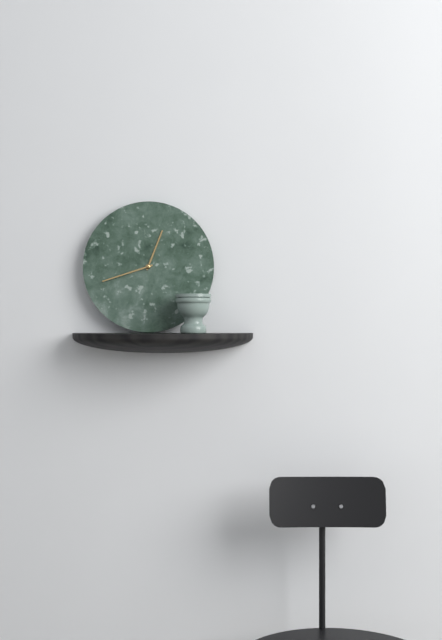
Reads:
h=12 m=42
